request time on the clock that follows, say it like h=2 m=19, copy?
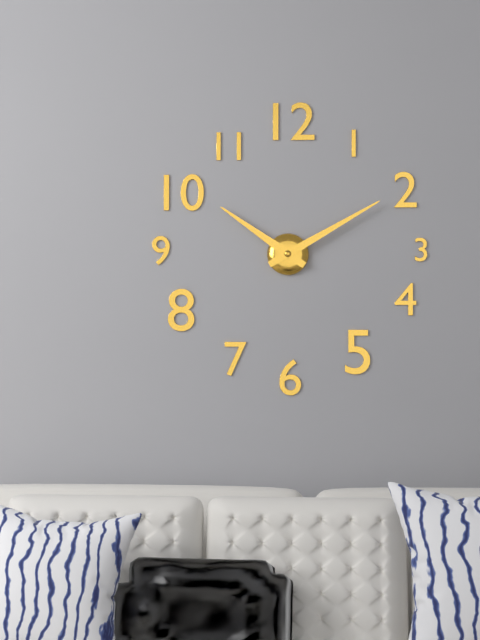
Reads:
h=10 m=10
